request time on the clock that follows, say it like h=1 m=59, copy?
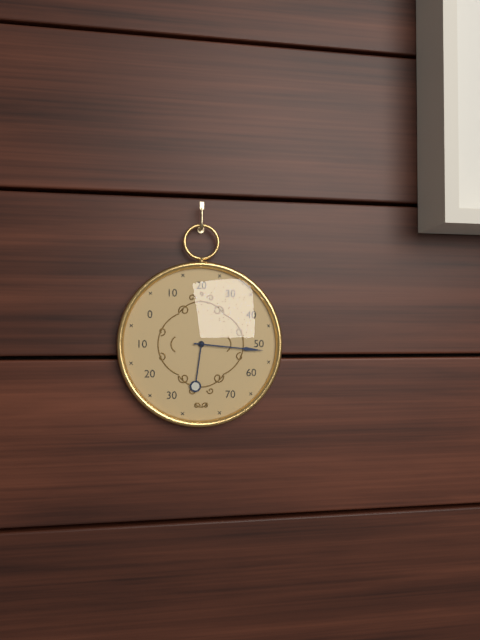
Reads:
h=6 m=16
